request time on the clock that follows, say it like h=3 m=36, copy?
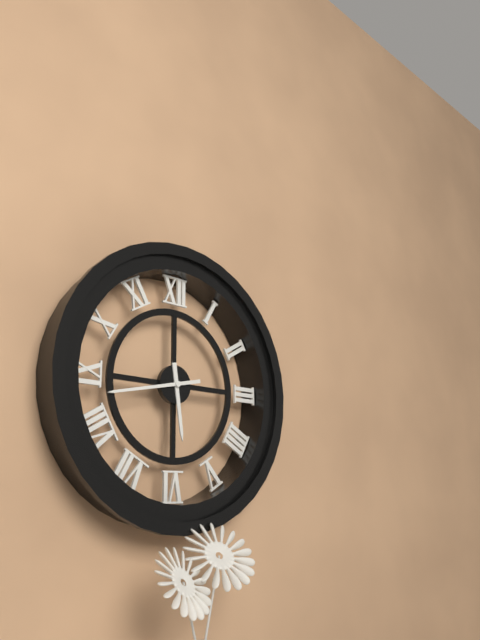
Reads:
h=5 m=43
